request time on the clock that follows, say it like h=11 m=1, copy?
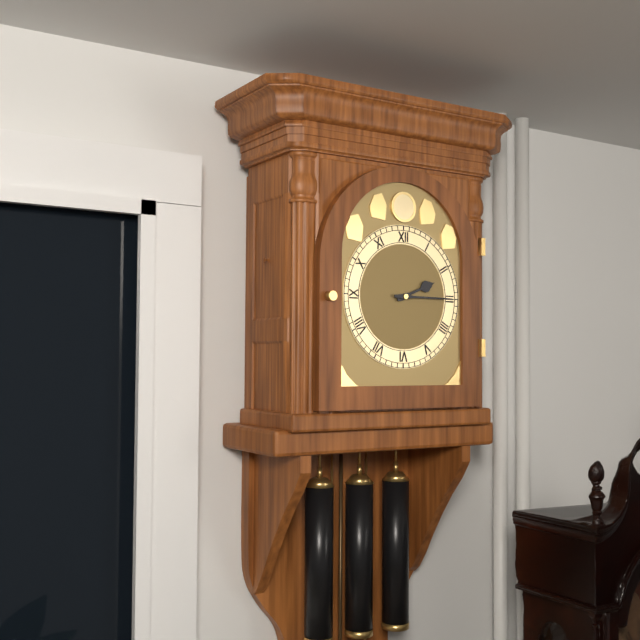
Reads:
h=2 m=15
